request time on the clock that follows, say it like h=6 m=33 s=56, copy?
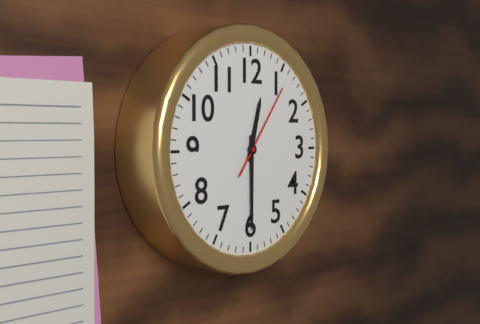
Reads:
h=12 m=30 s=6
